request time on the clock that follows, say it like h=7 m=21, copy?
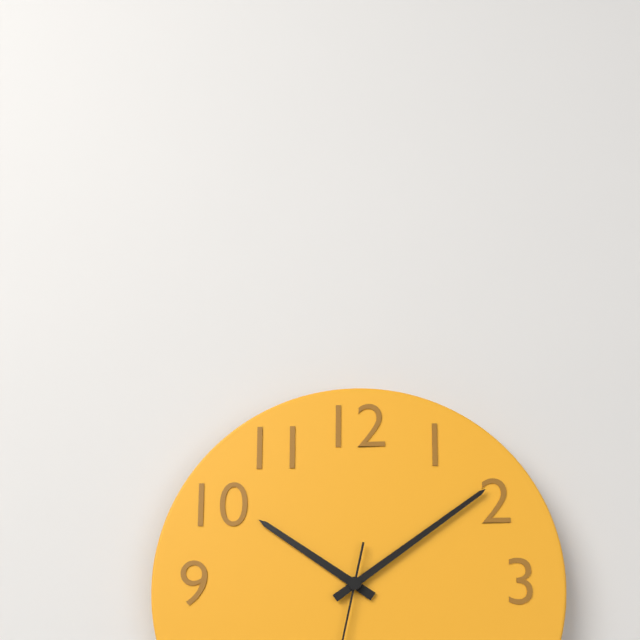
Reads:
h=10 m=9
